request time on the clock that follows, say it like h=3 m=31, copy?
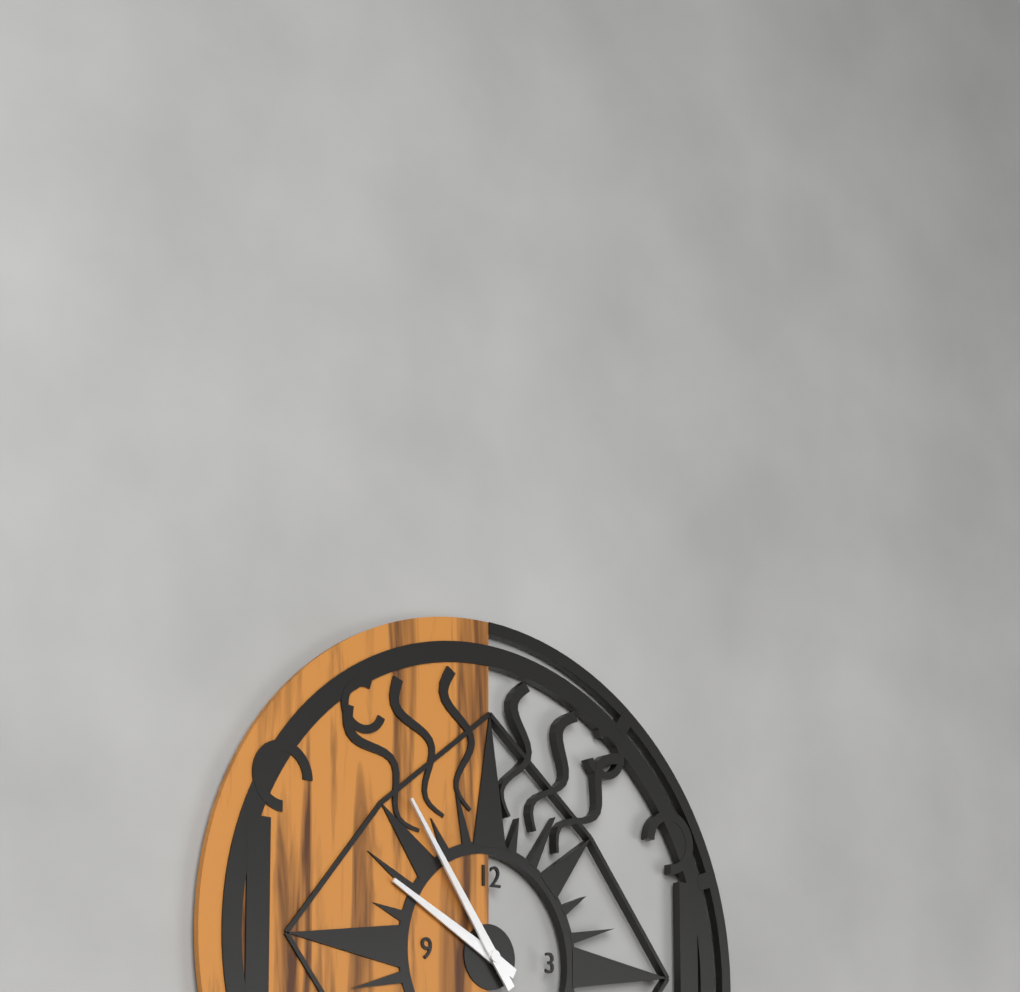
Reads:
h=9 m=54
